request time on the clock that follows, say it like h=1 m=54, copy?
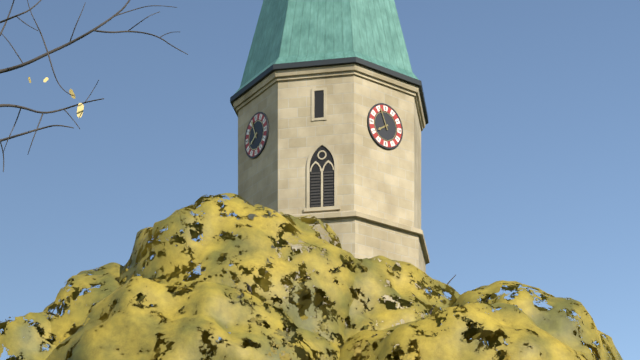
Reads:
h=7 m=56
